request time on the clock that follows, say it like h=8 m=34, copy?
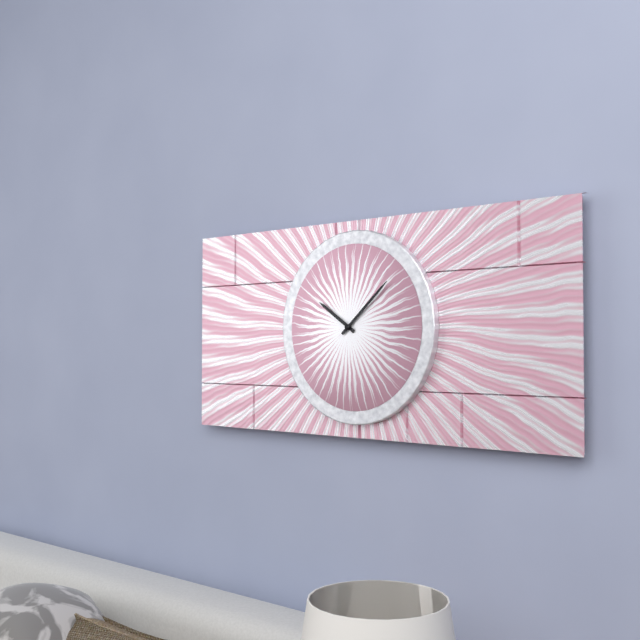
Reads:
h=10 m=8
